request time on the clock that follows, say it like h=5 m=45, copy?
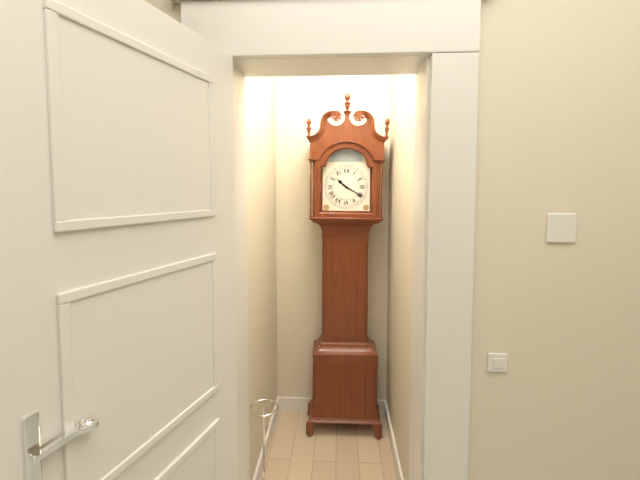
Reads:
h=10 m=20
